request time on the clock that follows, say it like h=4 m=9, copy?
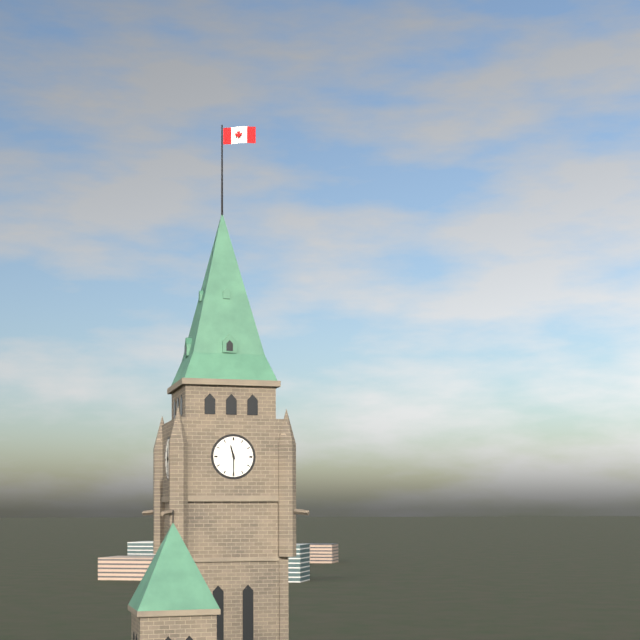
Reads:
h=11 m=30
